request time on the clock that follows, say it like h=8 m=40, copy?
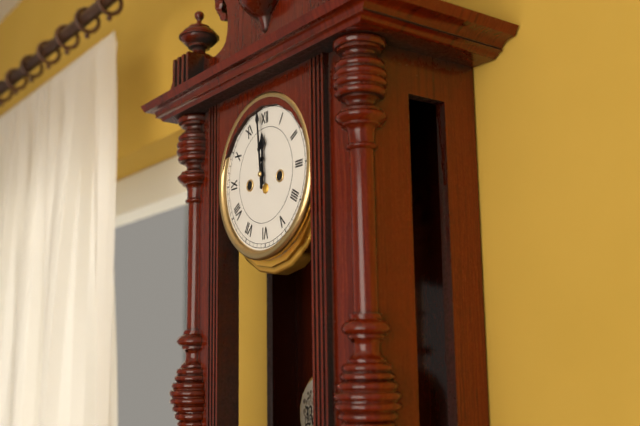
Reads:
h=11 m=59
